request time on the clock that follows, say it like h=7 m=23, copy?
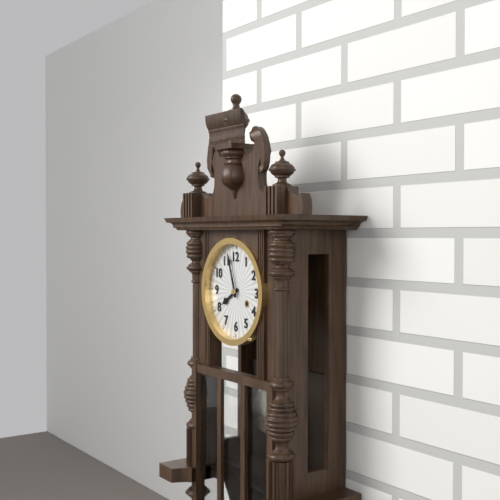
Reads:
h=7 m=57
